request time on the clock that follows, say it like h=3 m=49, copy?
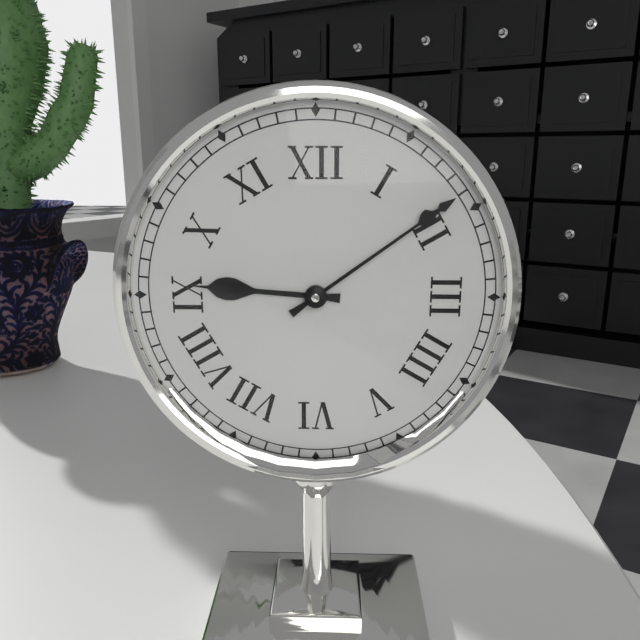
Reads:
h=9 m=9
